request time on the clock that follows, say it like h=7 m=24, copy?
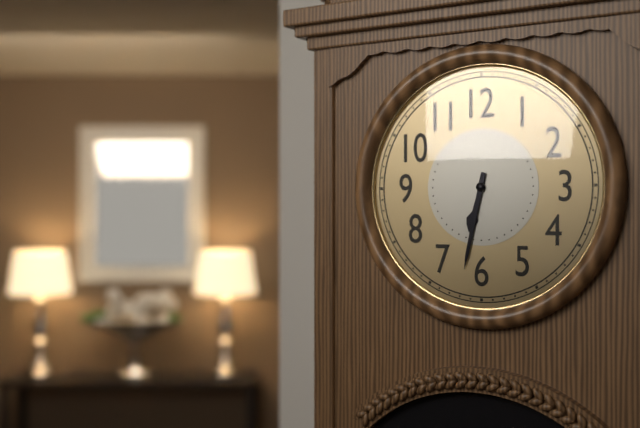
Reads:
h=6 m=32
